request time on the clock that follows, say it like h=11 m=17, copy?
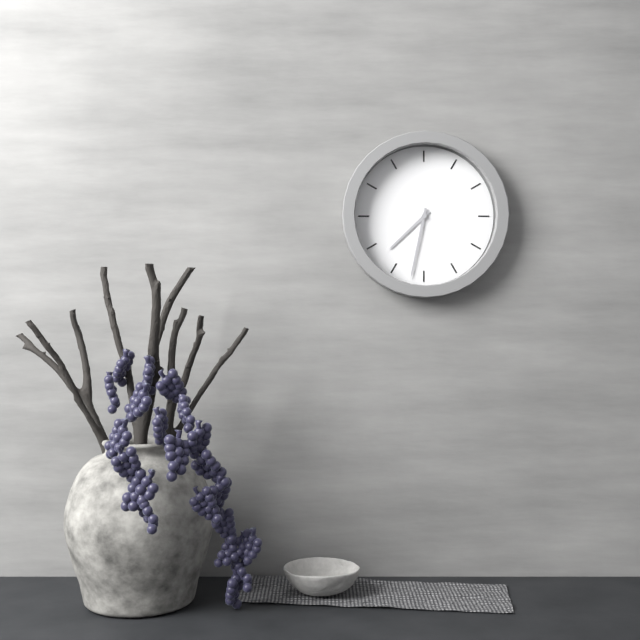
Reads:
h=7 m=32
